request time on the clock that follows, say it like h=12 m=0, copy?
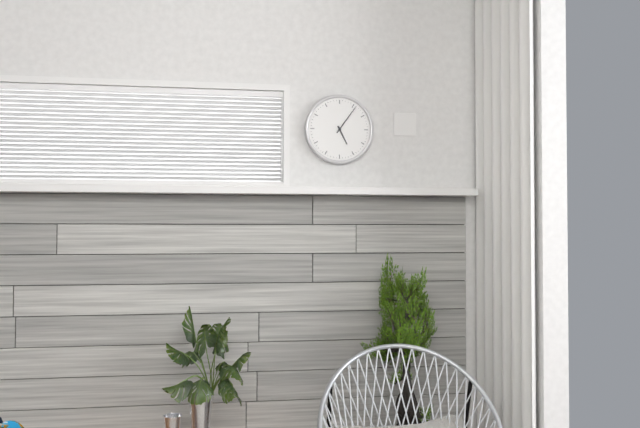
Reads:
h=5 m=6
